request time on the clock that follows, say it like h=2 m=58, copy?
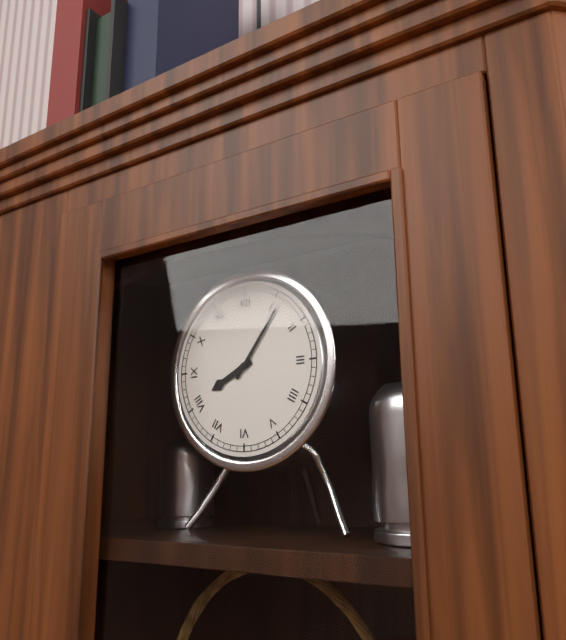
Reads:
h=8 m=6
